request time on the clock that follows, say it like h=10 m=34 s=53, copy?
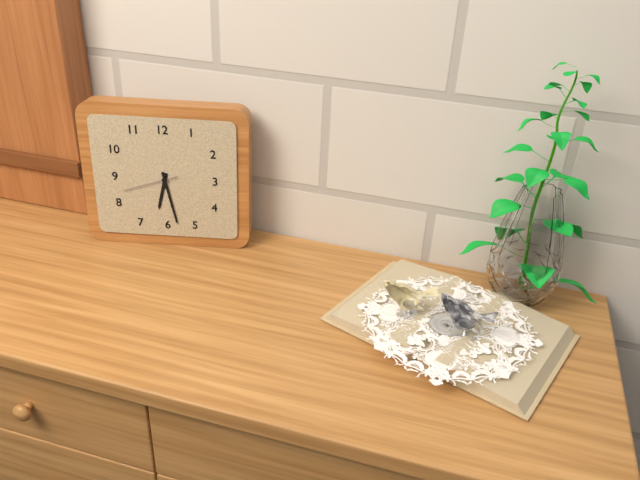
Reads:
h=6 m=28 s=42
